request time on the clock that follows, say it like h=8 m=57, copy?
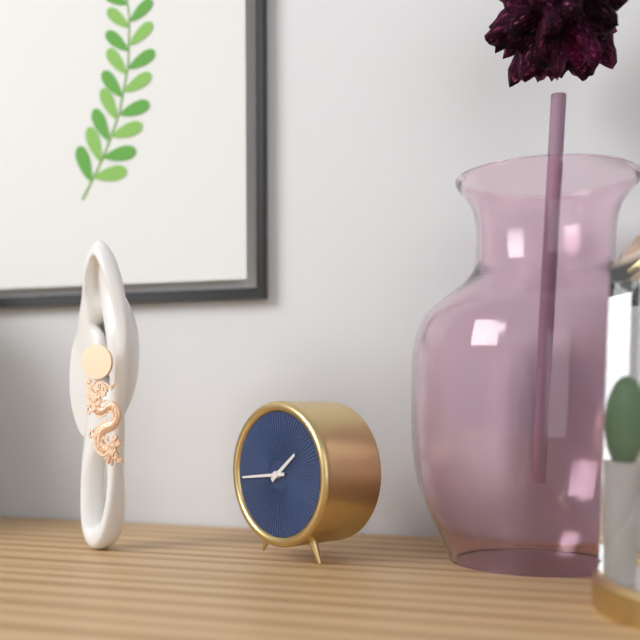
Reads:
h=1 m=44
